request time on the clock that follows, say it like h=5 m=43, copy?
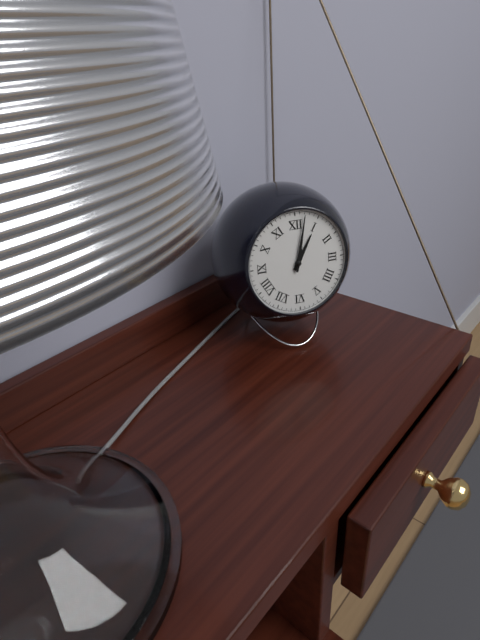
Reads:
h=1 m=2
